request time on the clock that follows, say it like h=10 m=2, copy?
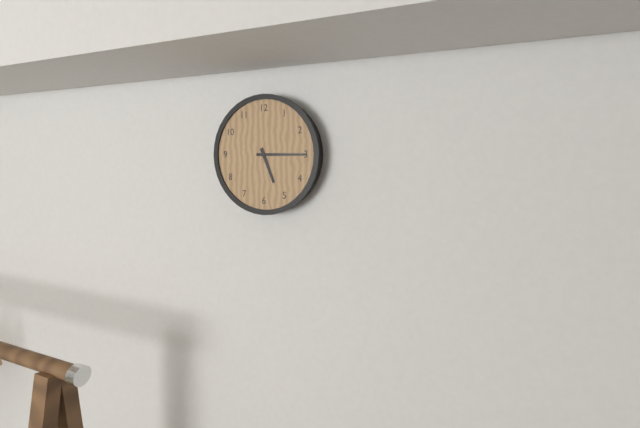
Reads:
h=5 m=15
